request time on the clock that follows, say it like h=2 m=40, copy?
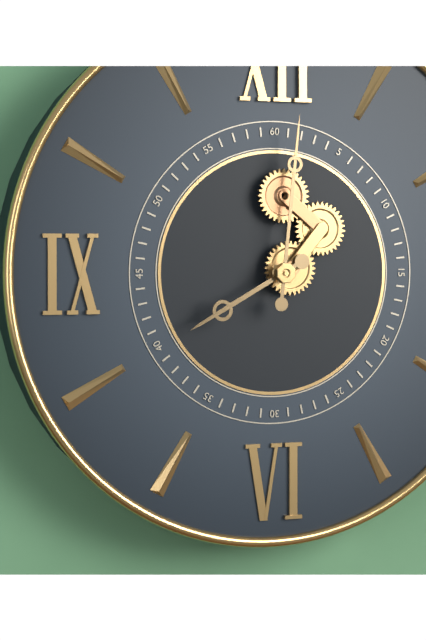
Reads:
h=8 m=1
